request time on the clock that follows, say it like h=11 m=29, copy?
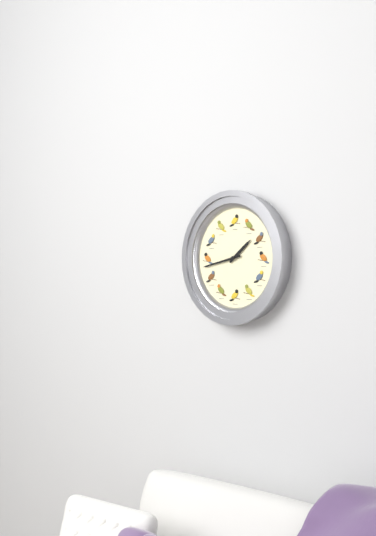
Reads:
h=1 m=43
